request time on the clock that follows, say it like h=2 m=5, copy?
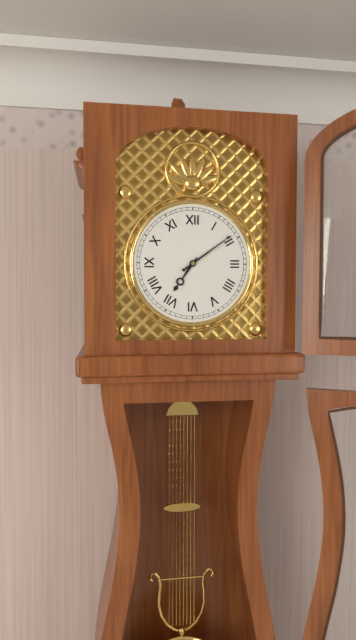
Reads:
h=7 m=9
